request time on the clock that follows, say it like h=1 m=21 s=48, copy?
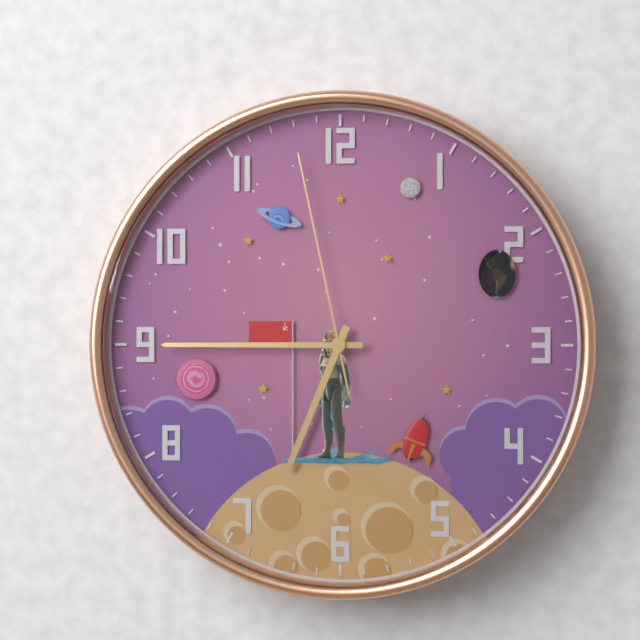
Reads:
h=6 m=45 s=58
